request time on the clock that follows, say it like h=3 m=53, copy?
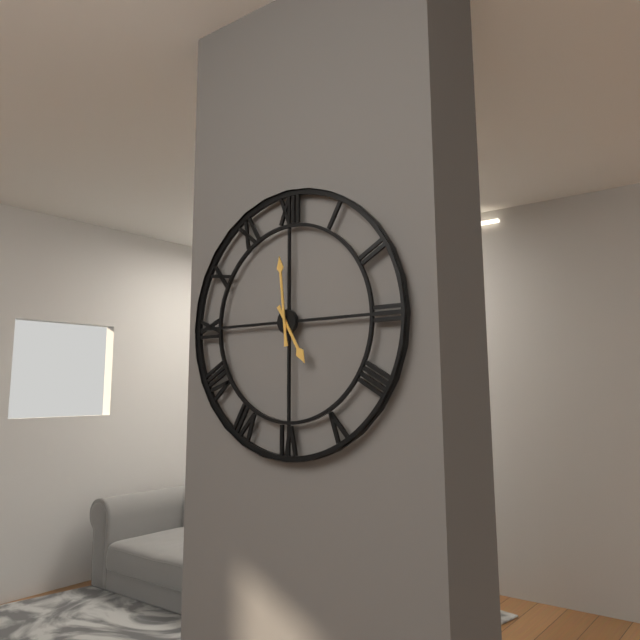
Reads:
h=4 m=59
